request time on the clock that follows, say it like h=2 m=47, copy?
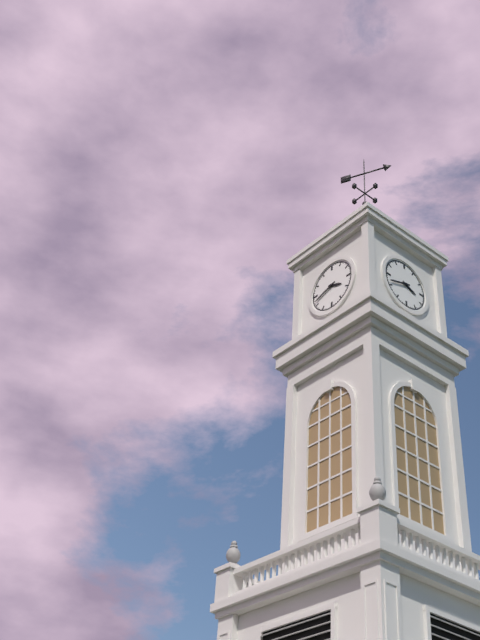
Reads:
h=3 m=42
